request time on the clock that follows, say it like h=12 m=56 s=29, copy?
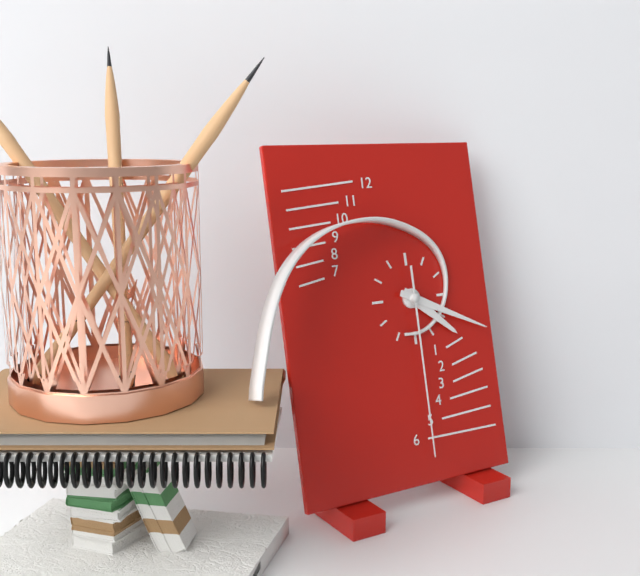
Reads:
h=4 m=19 s=30
